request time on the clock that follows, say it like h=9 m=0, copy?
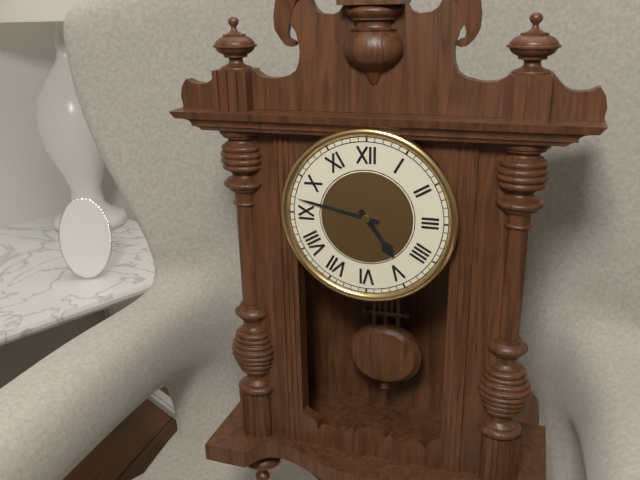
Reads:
h=4 m=47
